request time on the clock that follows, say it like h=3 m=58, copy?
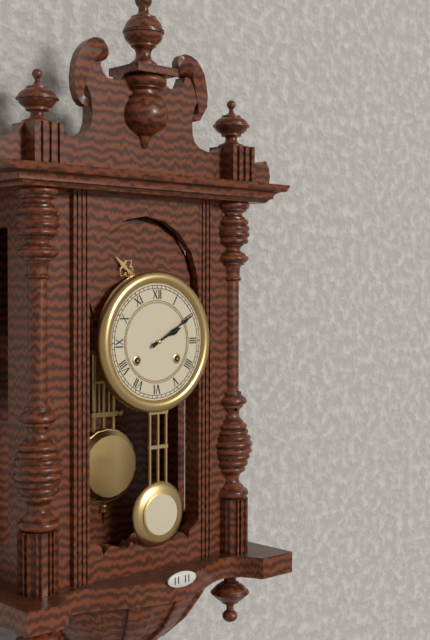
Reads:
h=2 m=10
